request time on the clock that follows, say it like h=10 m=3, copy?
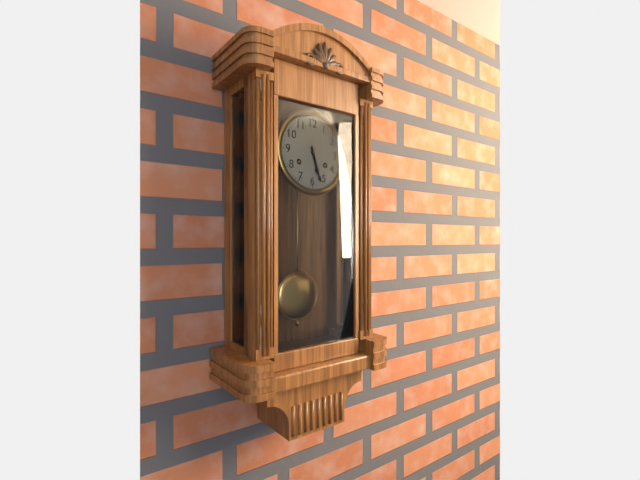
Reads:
h=5 m=27
